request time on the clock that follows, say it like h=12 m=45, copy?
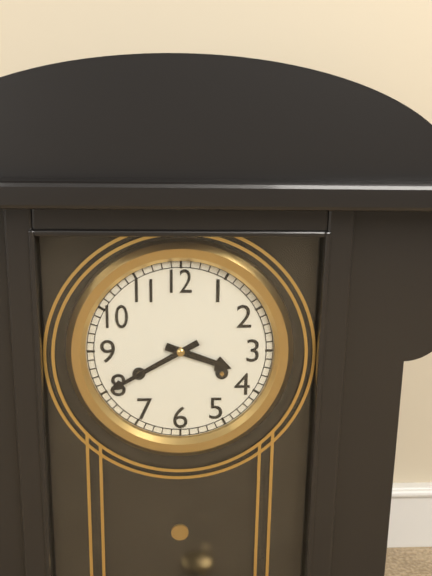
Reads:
h=3 m=40
